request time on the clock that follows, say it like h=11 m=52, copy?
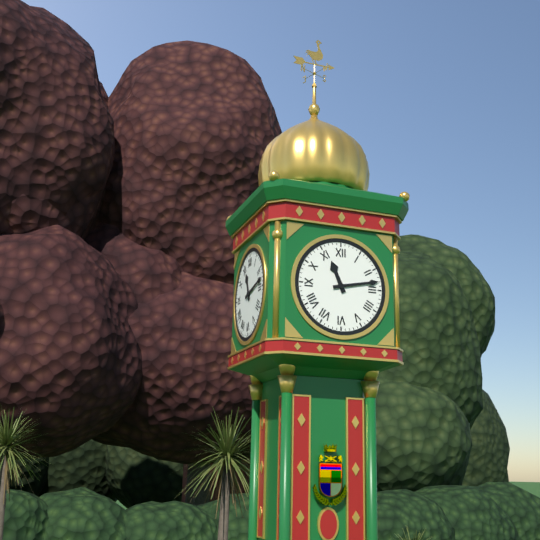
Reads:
h=11 m=13
